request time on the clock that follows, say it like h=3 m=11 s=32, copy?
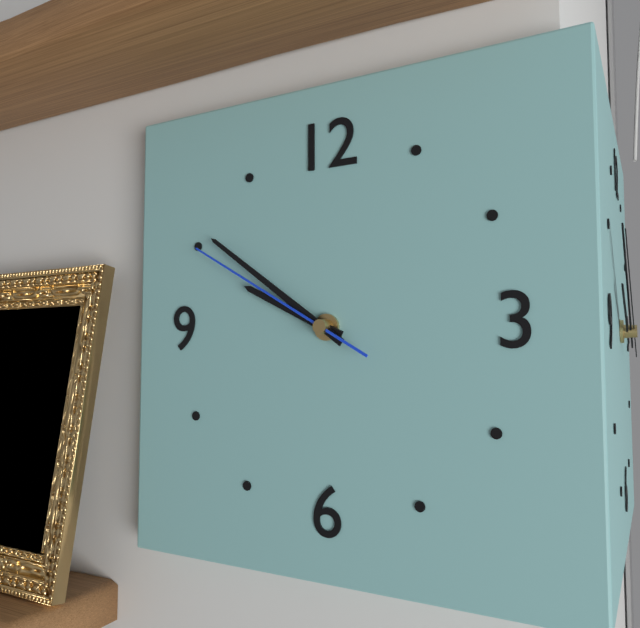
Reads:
h=9 m=51 s=50
